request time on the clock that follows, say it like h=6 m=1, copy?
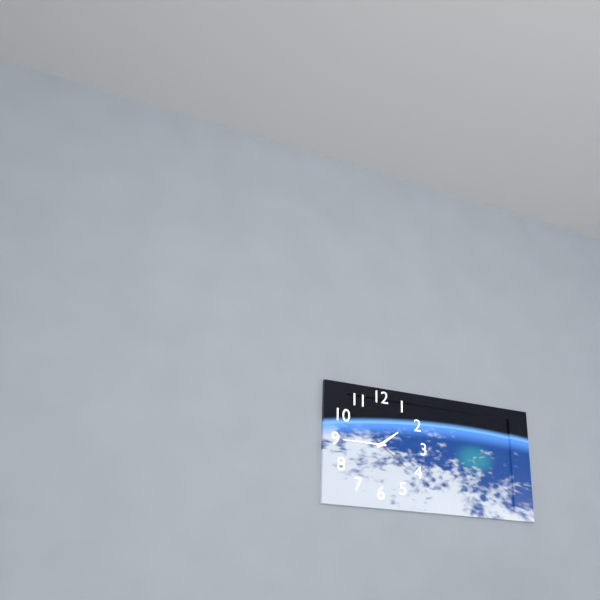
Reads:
h=1 m=45
